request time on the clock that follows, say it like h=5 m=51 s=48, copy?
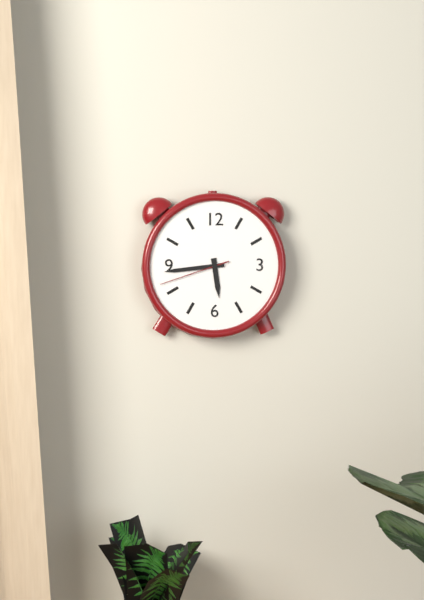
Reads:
h=5 m=44 s=42
